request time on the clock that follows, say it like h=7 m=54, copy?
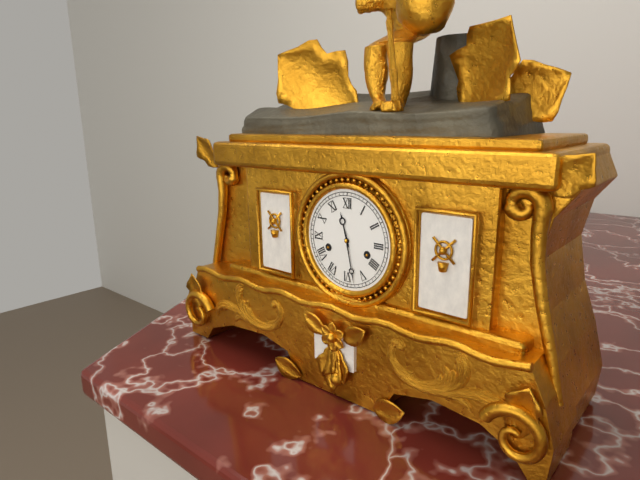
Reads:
h=11 m=28
